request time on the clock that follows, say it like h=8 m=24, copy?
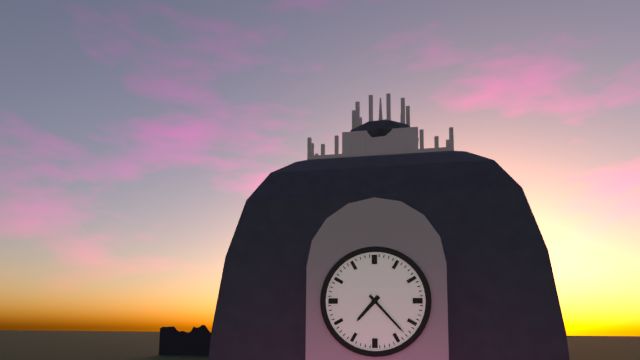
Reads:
h=7 m=23
